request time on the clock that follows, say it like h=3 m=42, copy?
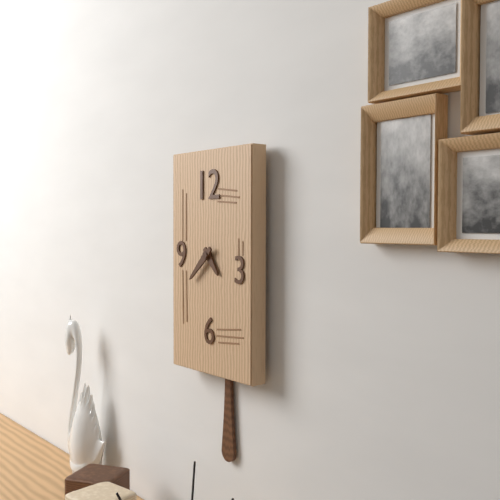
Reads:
h=4 m=38
